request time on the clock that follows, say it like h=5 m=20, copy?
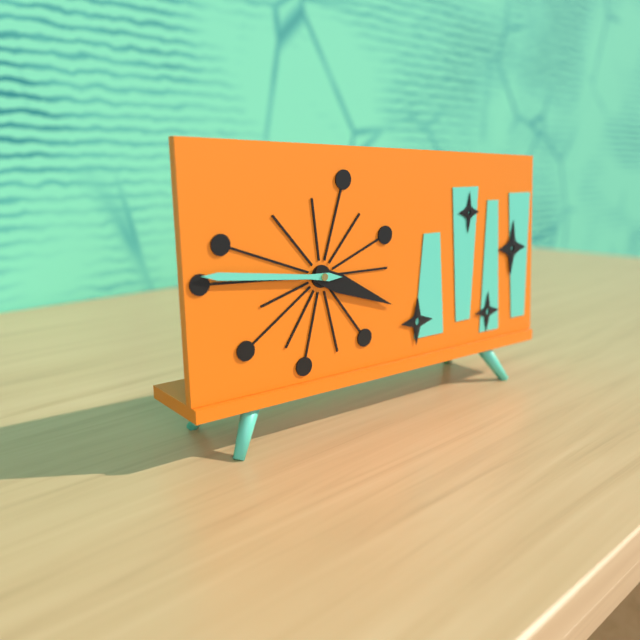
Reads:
h=3 m=46
